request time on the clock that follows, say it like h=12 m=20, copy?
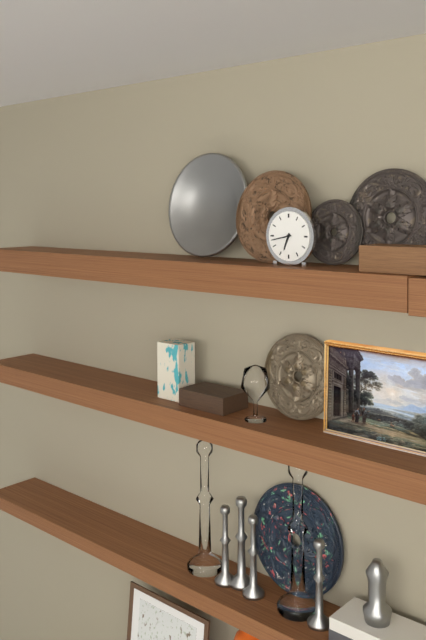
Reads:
h=6 m=43
